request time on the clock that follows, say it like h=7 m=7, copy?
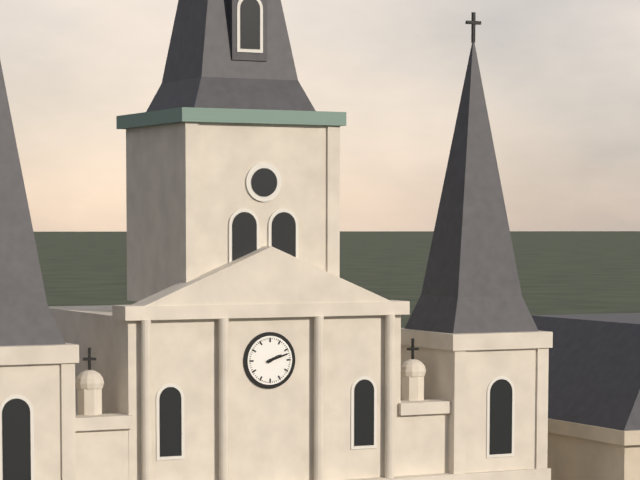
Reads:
h=2 m=12
